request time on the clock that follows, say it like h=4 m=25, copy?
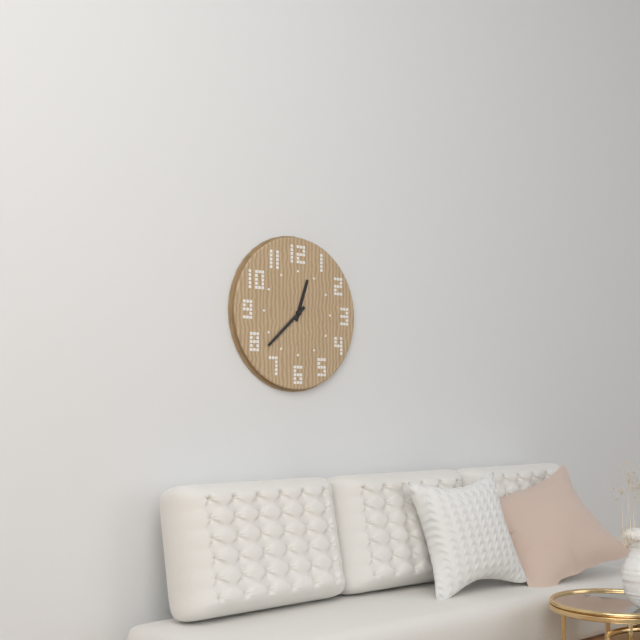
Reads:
h=12 m=38
